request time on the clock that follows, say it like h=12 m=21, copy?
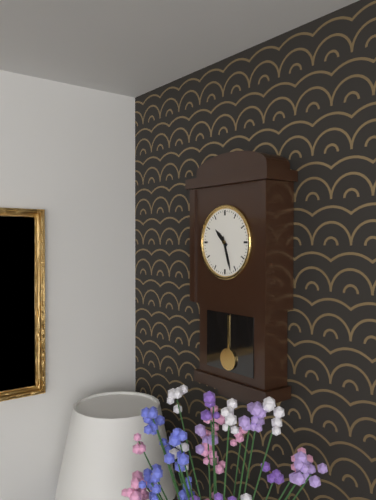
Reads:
h=10 m=27
